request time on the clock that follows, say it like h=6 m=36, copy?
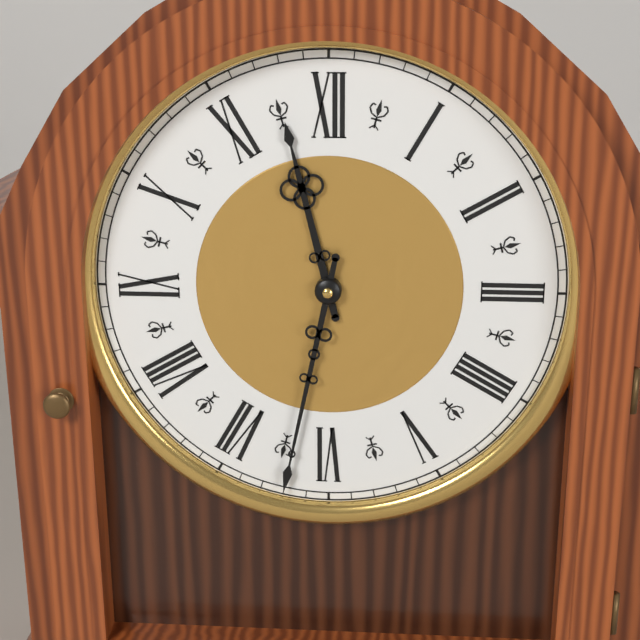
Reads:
h=11 m=32
